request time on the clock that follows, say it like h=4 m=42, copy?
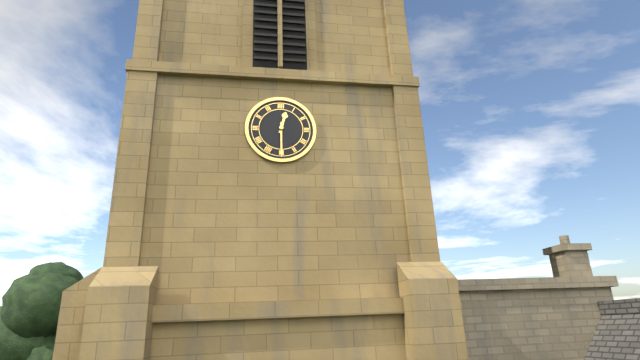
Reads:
h=12 m=30
